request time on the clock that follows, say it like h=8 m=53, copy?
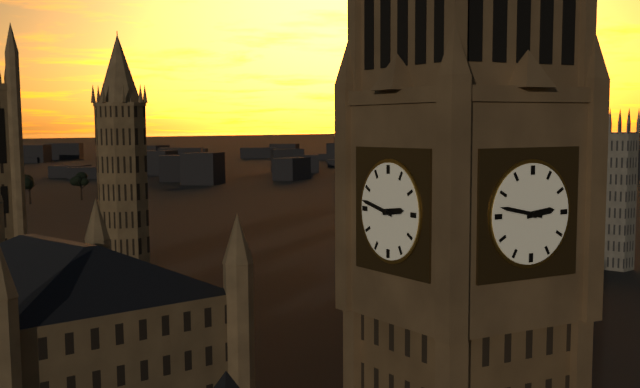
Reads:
h=2 m=47
